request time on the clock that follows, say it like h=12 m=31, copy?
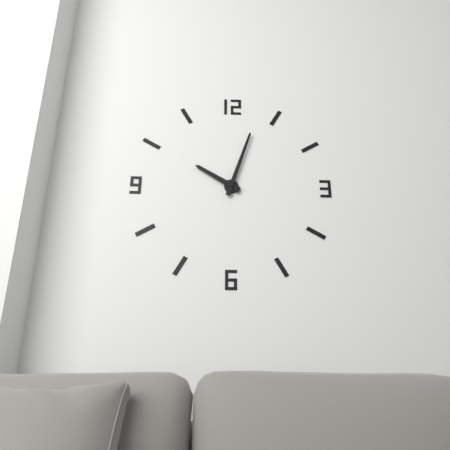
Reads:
h=10 m=3
